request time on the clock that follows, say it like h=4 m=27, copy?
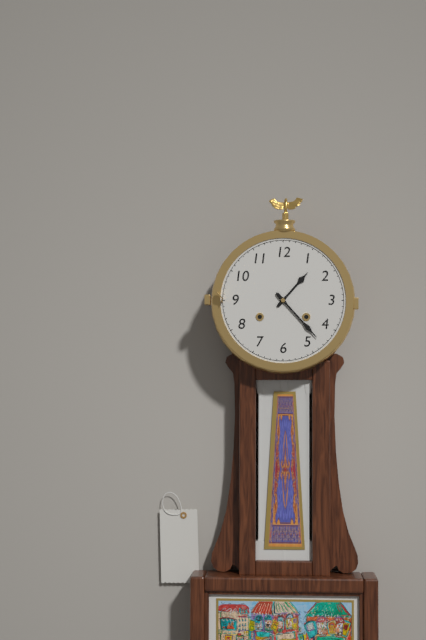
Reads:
h=1 m=23
